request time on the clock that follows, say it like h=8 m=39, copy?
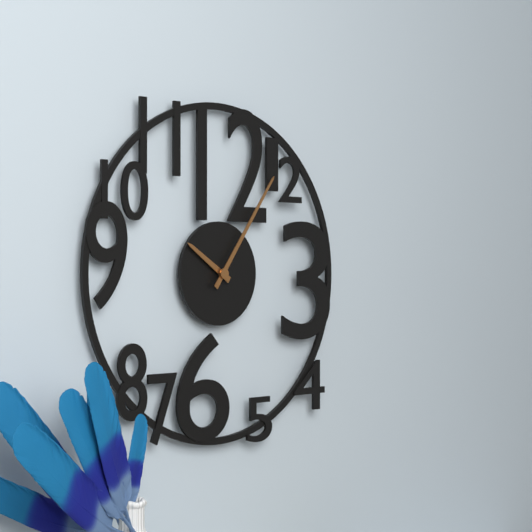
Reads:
h=10 m=6
